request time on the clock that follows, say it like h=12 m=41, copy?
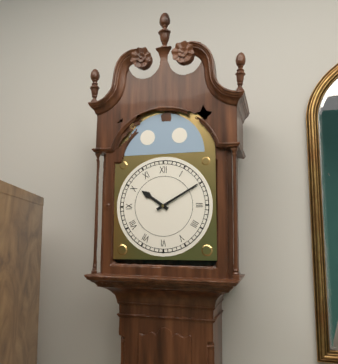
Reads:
h=10 m=10
